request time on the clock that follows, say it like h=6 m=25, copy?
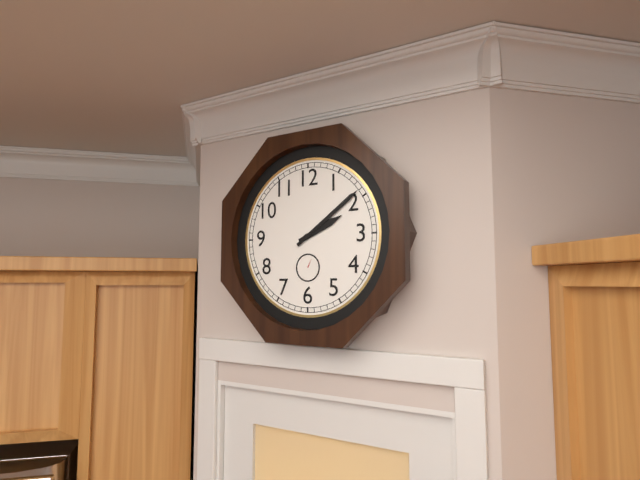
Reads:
h=2 m=9
